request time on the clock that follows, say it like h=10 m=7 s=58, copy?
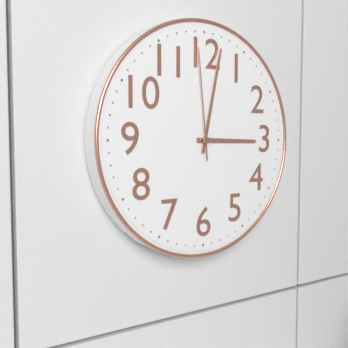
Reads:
h=3 m=2 s=59
